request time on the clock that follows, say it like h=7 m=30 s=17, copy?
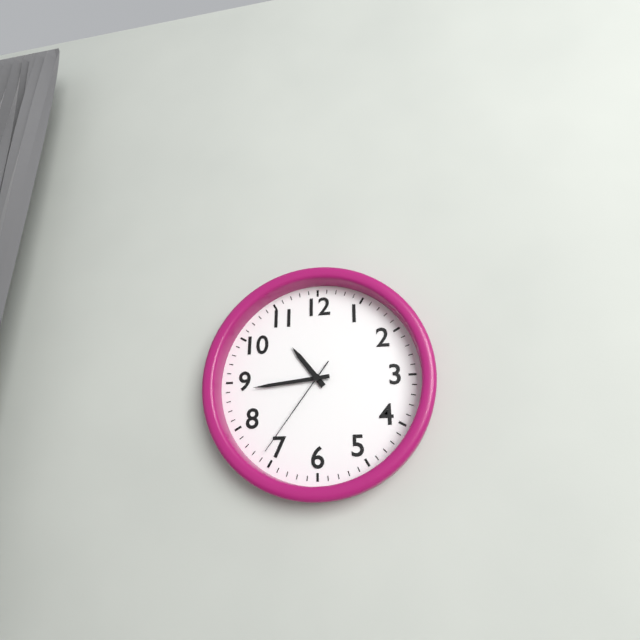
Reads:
h=10 m=44 s=36
